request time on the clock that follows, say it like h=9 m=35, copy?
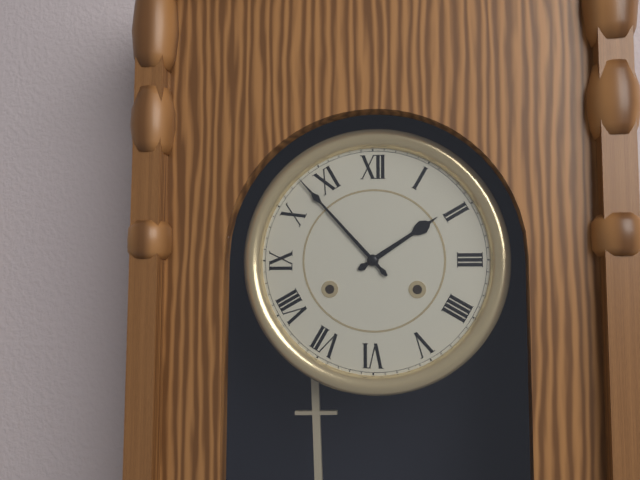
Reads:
h=1 m=53
